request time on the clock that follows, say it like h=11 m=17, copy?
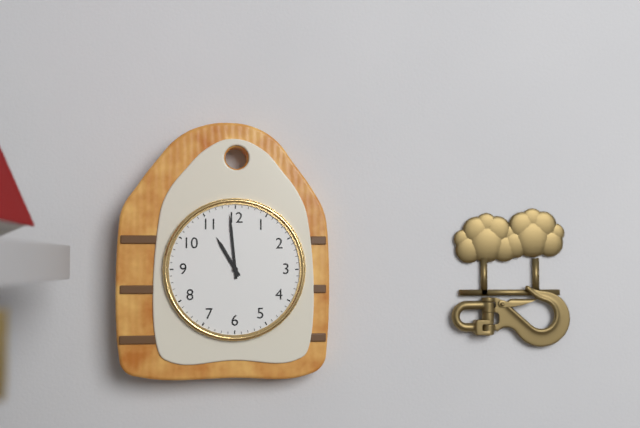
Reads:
h=10 m=59
